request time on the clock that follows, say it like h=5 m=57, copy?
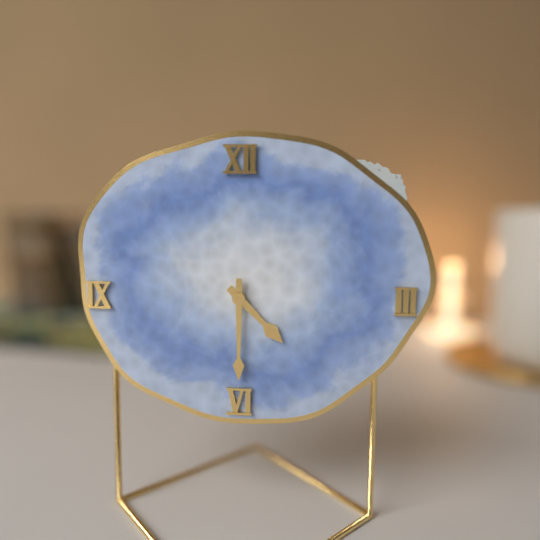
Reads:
h=4 m=30
